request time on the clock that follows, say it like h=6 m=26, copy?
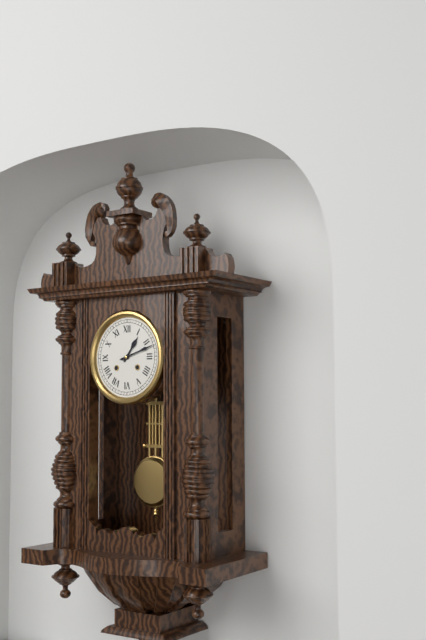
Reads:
h=1 m=12
